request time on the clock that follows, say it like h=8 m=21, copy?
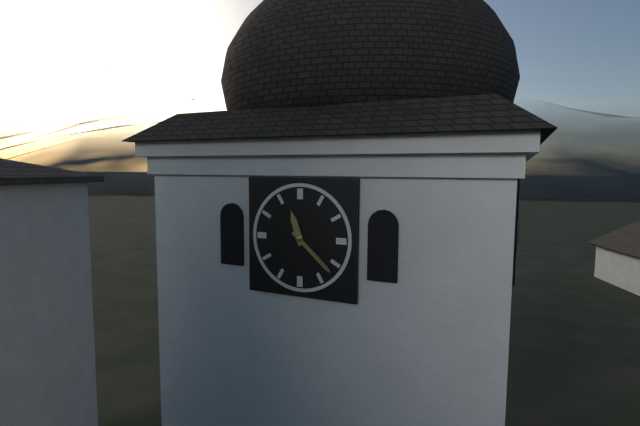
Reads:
h=11 m=22
